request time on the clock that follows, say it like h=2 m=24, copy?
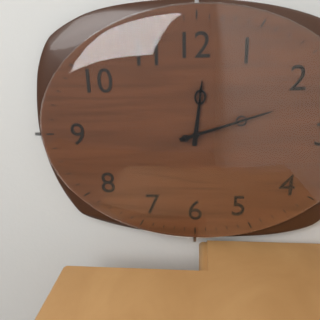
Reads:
h=12 m=12
